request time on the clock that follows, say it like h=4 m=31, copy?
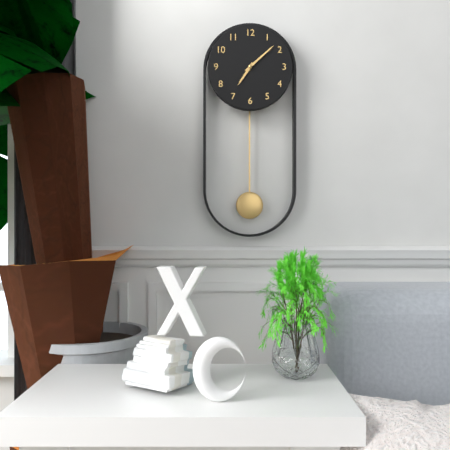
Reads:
h=7 m=8
